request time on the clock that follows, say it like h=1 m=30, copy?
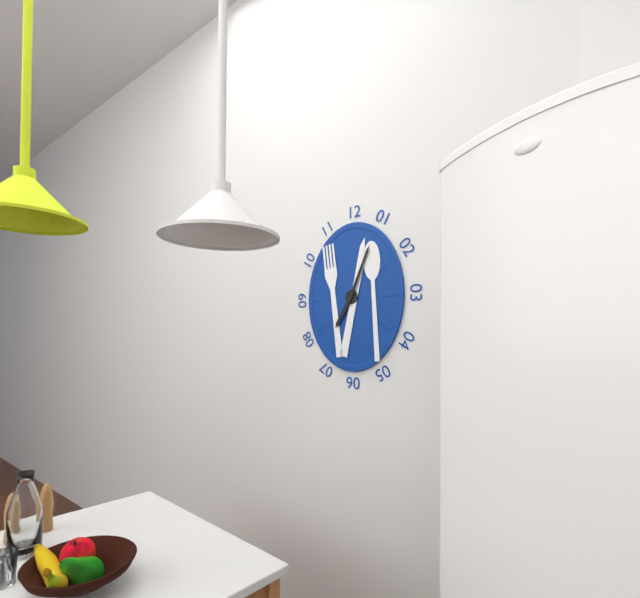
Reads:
h=7 m=4
